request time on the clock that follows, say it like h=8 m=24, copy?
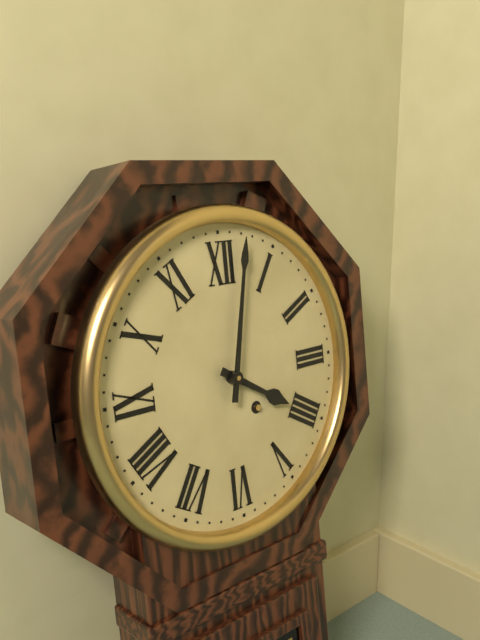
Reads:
h=4 m=2
